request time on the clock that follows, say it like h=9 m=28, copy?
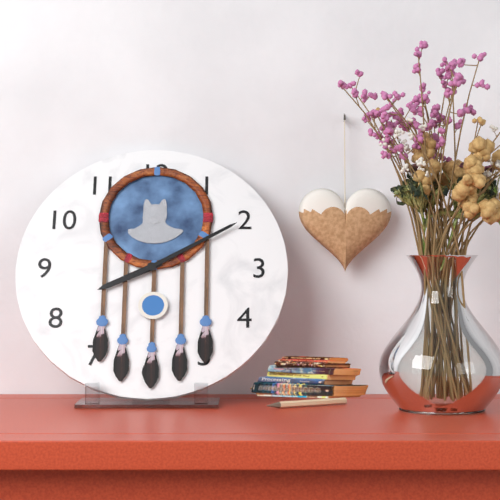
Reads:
h=8 m=10
